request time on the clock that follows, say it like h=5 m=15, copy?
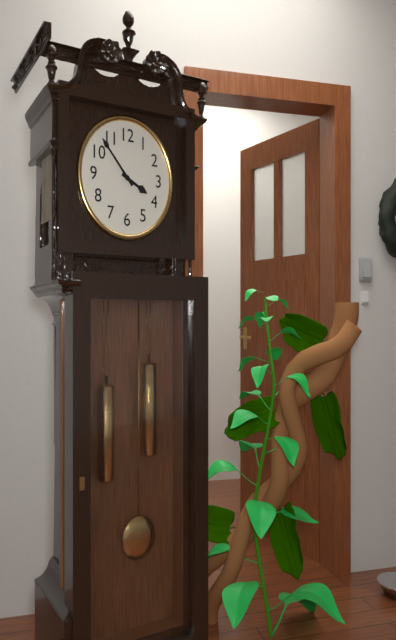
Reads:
h=3 m=53
